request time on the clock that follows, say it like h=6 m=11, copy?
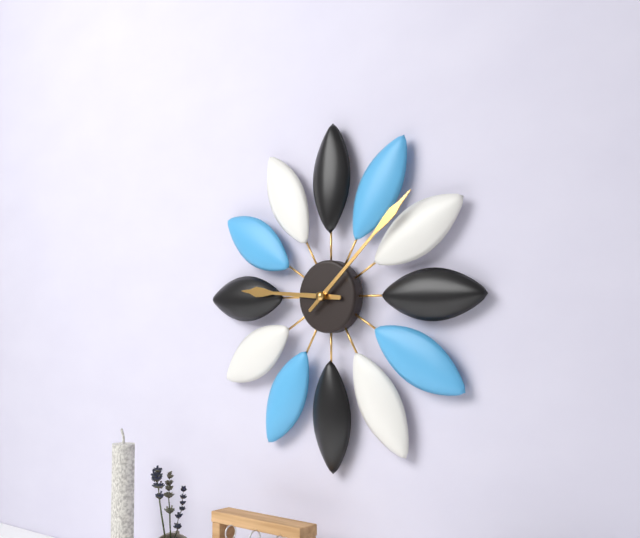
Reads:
h=9 m=8
